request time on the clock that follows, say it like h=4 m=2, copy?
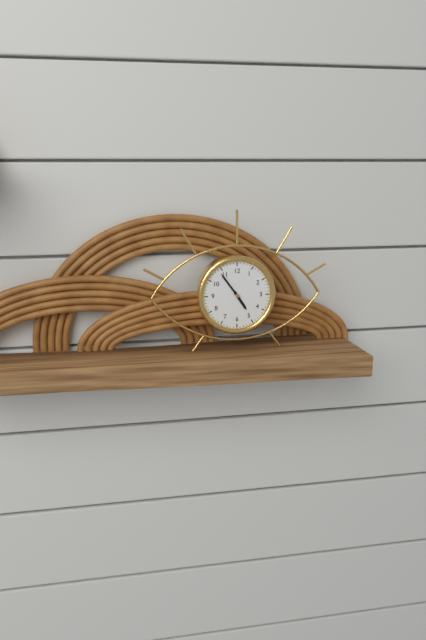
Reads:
h=4 m=54
